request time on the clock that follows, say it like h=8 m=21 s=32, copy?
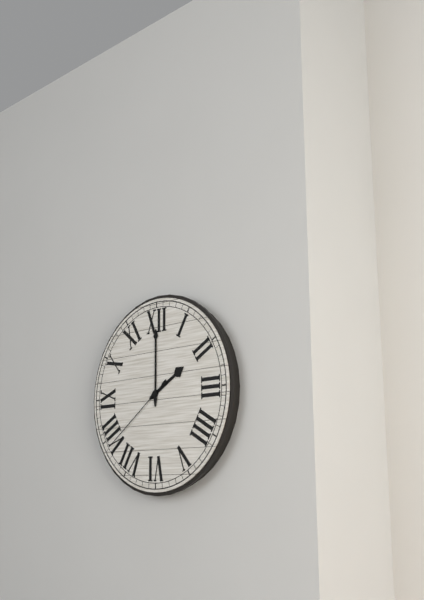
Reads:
h=2 m=0 s=39
